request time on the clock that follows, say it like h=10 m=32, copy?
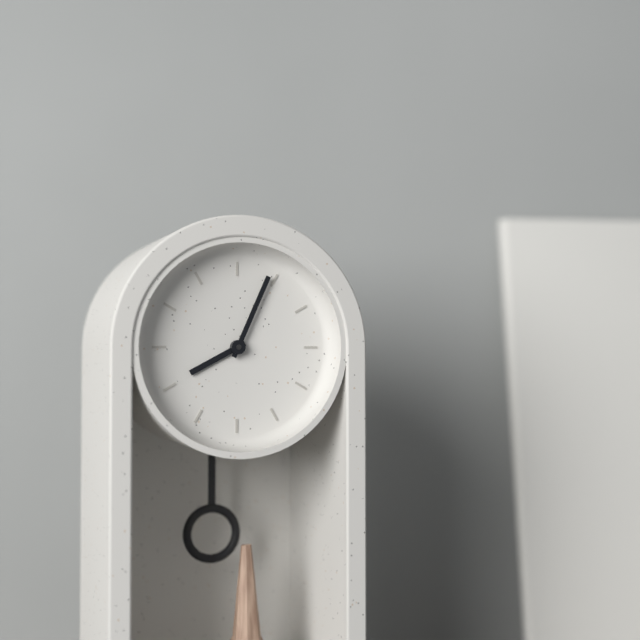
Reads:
h=8 m=4
